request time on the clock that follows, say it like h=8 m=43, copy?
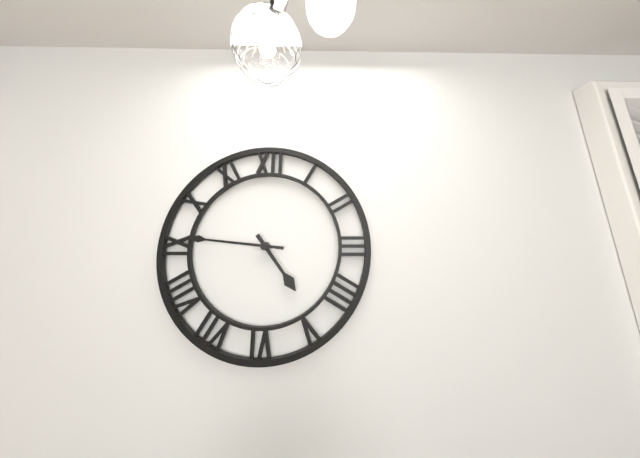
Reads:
h=4 m=46
